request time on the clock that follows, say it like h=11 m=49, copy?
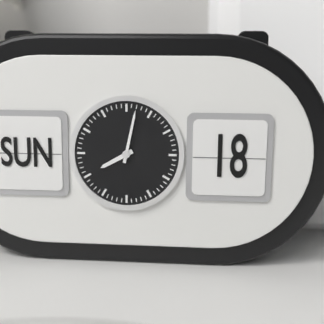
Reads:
h=8 m=2
